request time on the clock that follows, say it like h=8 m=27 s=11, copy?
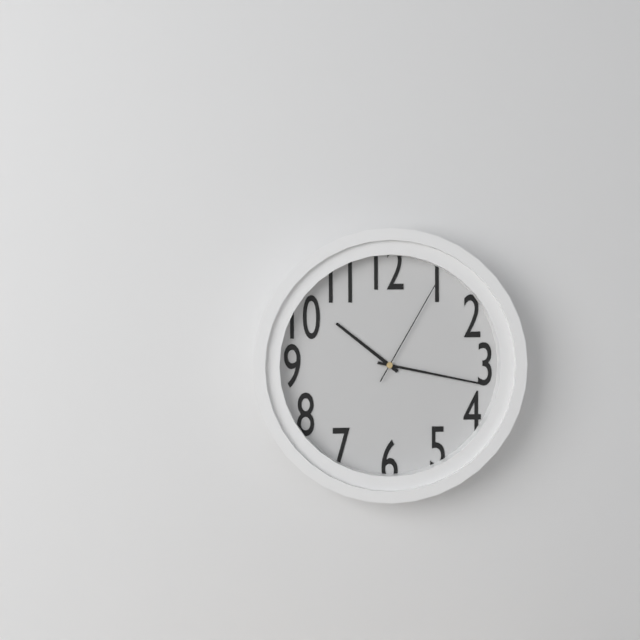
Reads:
h=10 m=17 s=5
